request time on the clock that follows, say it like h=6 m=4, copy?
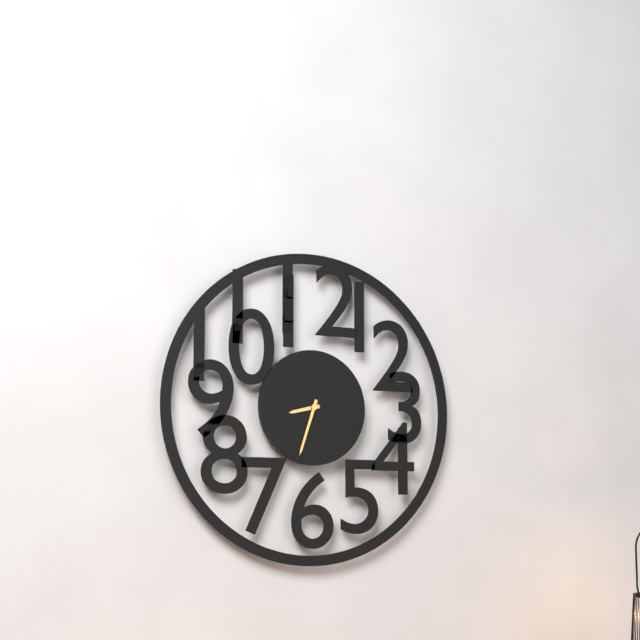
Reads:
h=8 m=33
